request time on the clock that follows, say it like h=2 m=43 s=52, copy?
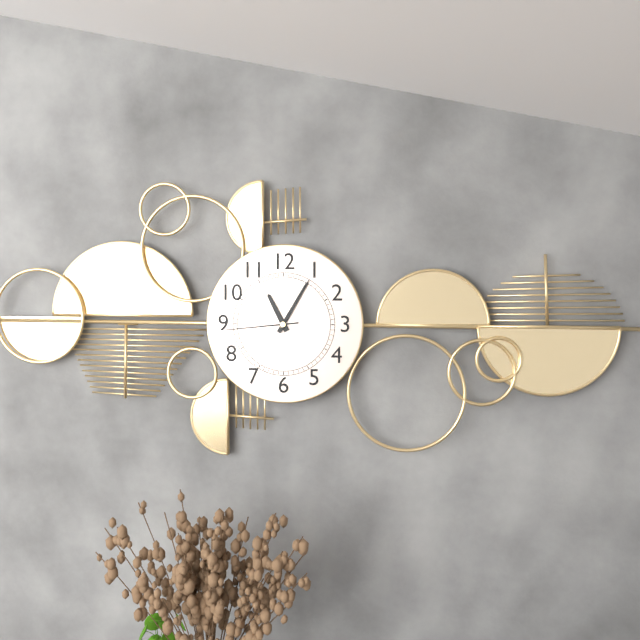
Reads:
h=11 m=5 s=44
